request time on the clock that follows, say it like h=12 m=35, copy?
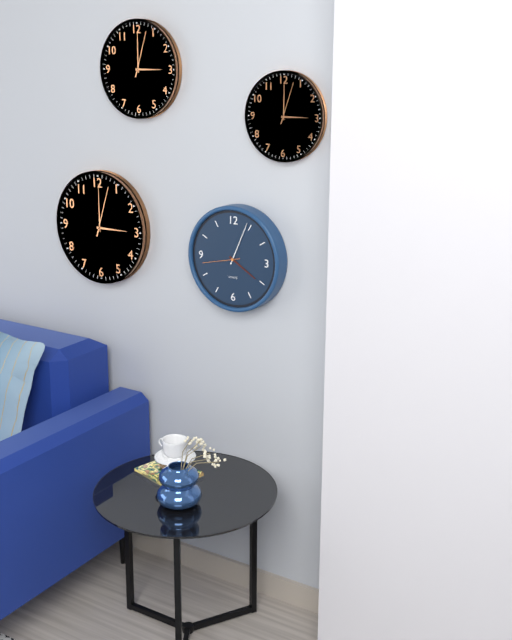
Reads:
h=4 m=4
